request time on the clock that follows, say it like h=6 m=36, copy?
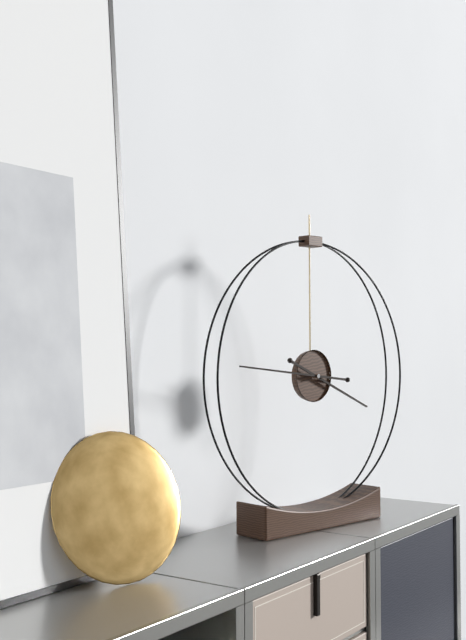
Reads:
h=3 m=46
